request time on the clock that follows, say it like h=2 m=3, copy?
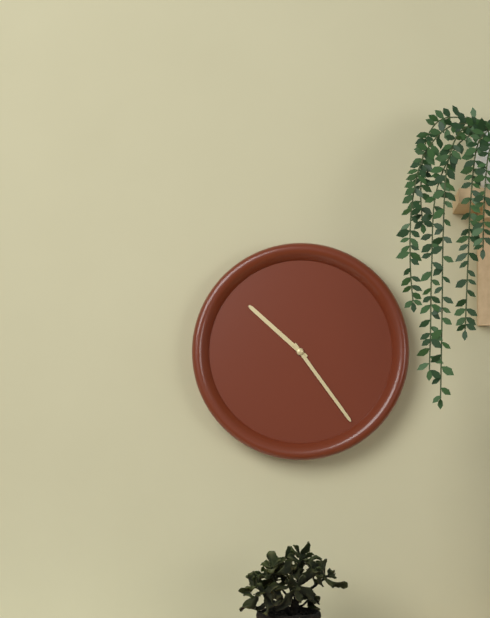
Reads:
h=10 m=24
